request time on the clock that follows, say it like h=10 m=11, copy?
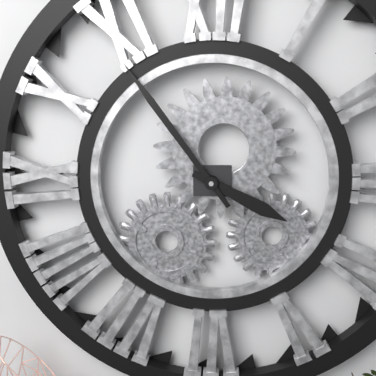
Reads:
h=3 m=54
